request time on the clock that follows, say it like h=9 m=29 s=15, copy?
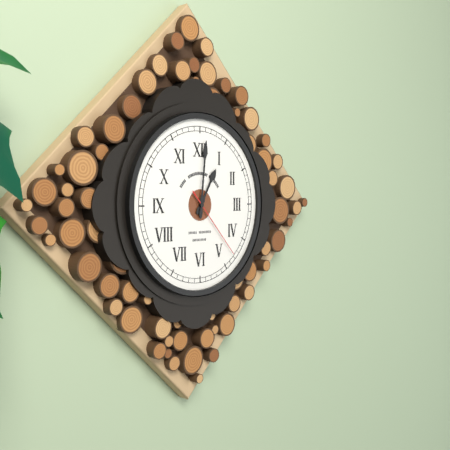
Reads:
h=1 m=1 s=23
